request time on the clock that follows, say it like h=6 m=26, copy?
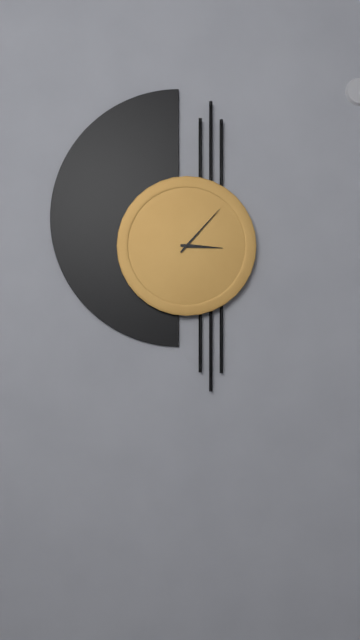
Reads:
h=3 m=7
